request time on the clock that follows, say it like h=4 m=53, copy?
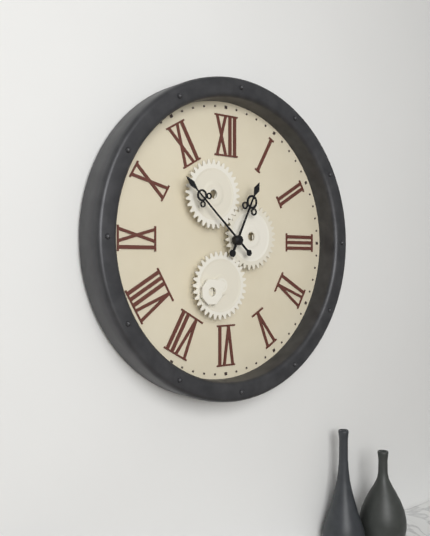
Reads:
h=12 m=52
